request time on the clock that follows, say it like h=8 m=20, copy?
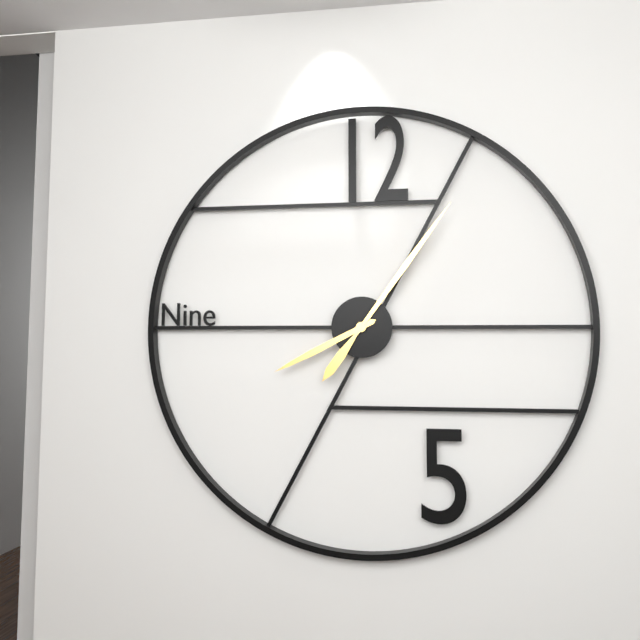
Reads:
h=8 m=6
